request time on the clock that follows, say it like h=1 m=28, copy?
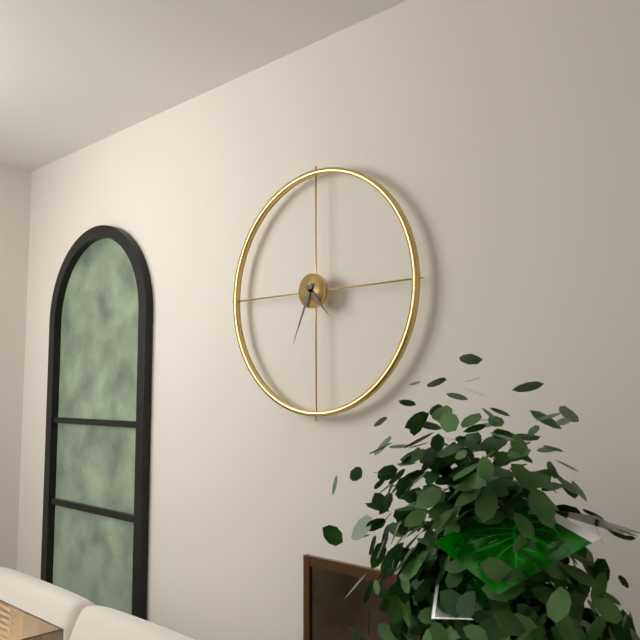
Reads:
h=4 m=34
